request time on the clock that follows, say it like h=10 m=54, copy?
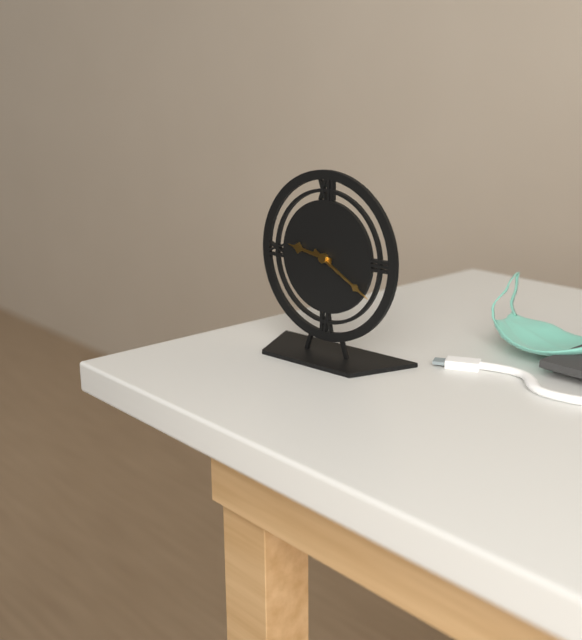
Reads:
h=9 m=20
